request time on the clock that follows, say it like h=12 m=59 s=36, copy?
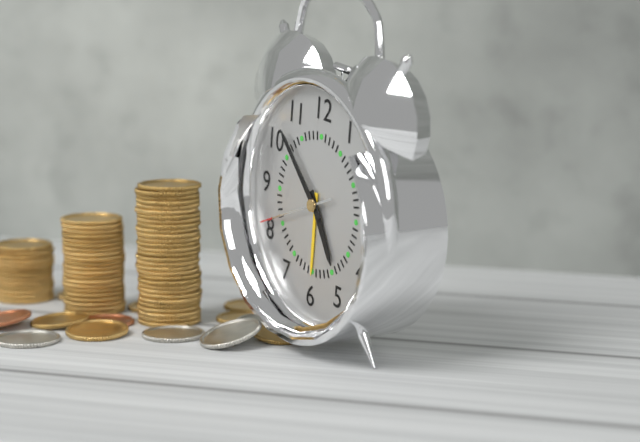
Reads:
h=4 m=52 s=41
